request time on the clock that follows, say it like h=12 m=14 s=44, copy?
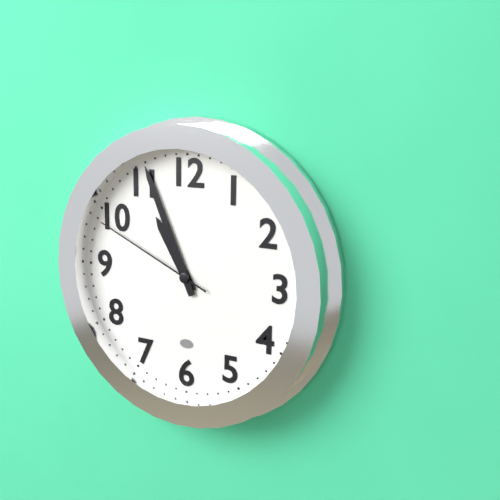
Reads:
h=10 m=56 s=49
